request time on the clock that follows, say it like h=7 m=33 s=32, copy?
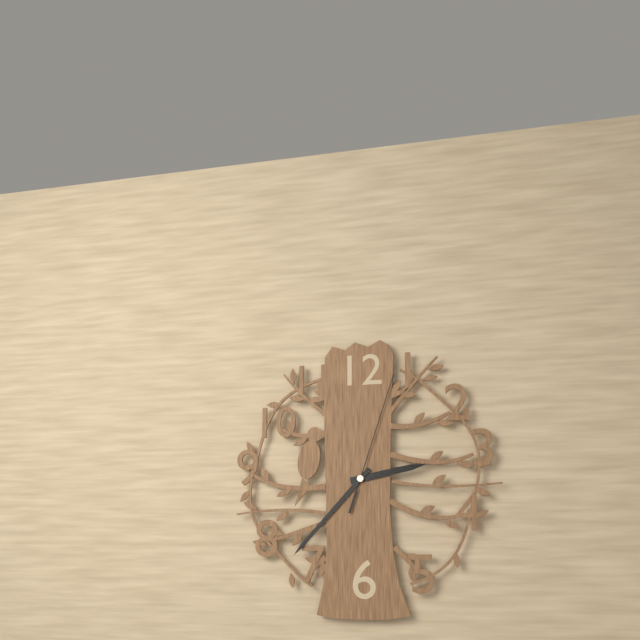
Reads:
h=2 m=37 s=3
